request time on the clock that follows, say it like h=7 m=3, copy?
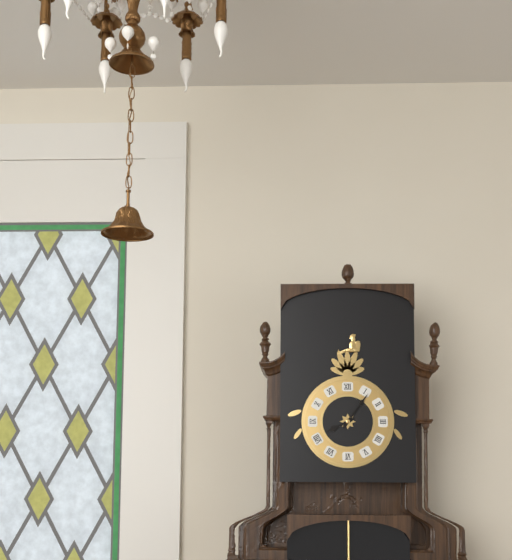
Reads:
h=8 m=6
